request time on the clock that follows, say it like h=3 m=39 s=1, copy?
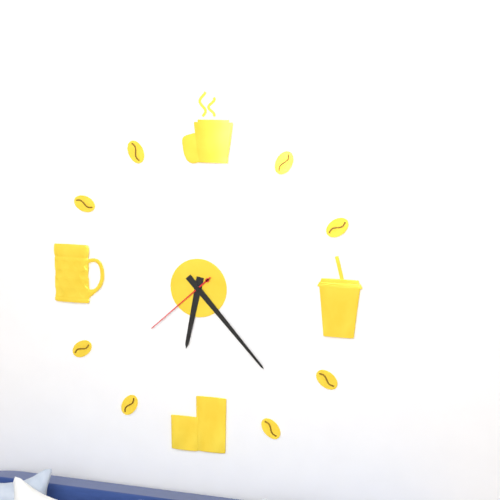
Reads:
h=6 m=23 s=38
